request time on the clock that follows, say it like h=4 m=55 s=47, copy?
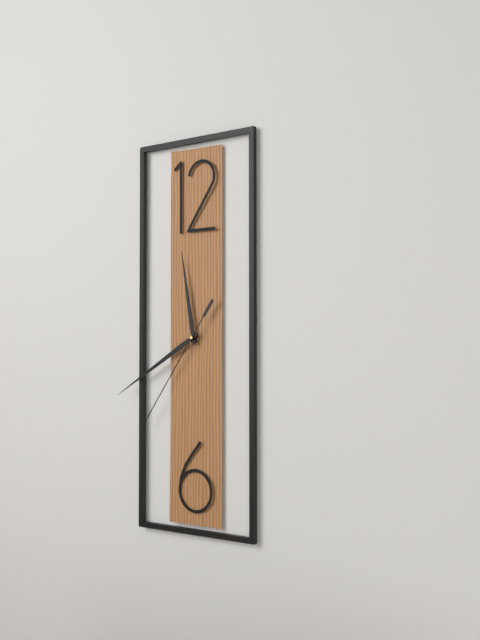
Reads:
h=11 m=40 s=36
